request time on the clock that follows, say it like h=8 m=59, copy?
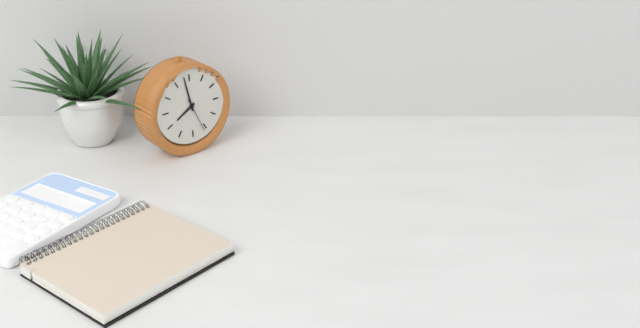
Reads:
h=7 m=58
